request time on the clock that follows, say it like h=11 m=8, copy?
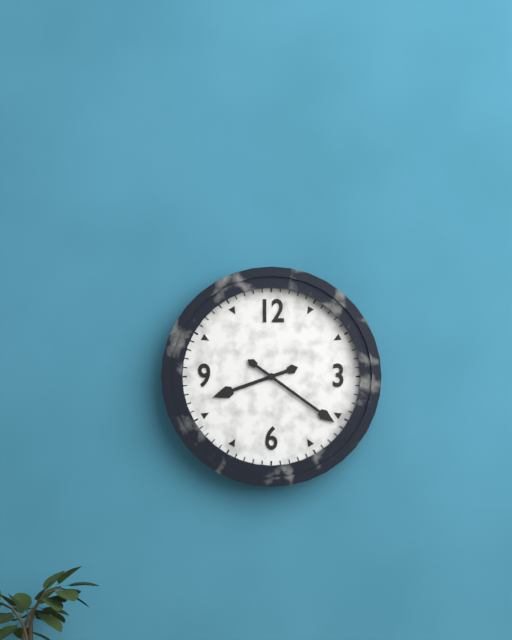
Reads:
h=8 m=21
